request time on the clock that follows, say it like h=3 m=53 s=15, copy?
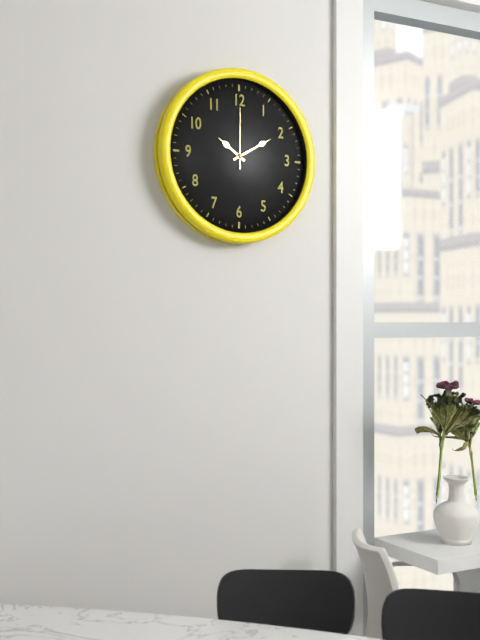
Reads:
h=10 m=10 s=0
